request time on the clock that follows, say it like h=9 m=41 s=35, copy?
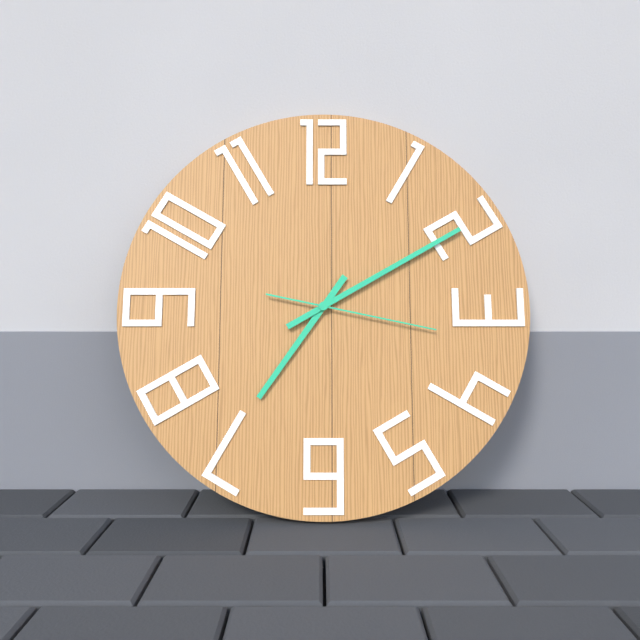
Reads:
h=7 m=10 s=17
